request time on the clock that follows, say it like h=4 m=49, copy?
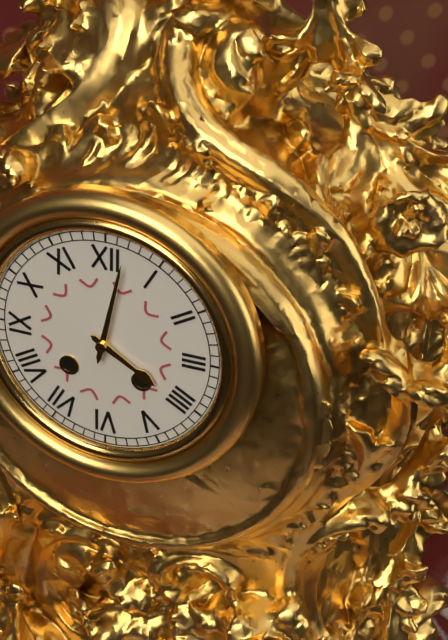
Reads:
h=4 m=2
